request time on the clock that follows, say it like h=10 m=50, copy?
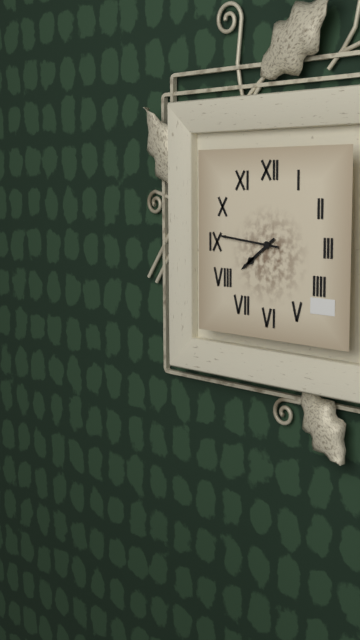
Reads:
h=7 m=46
